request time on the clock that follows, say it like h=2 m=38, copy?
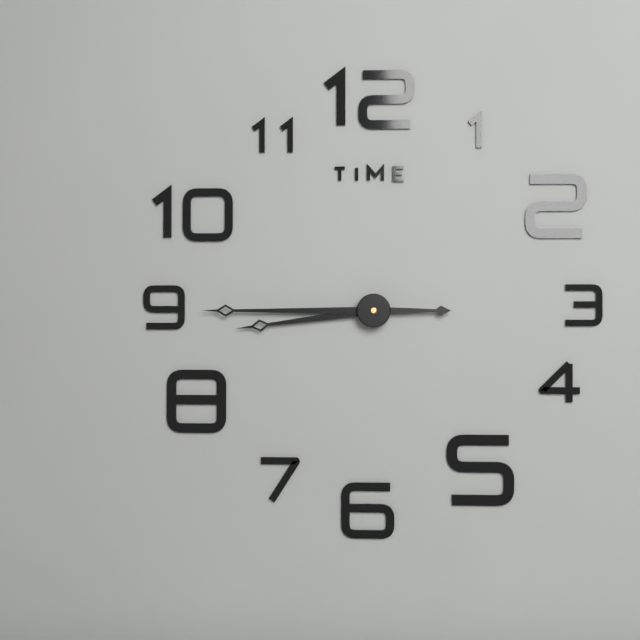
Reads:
h=8 m=45
